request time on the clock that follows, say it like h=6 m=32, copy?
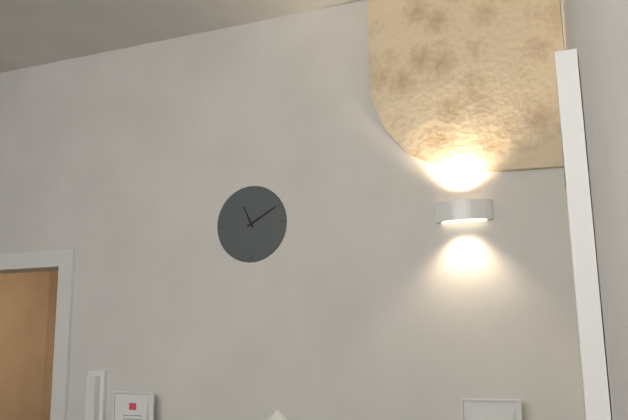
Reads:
h=11 m=10
